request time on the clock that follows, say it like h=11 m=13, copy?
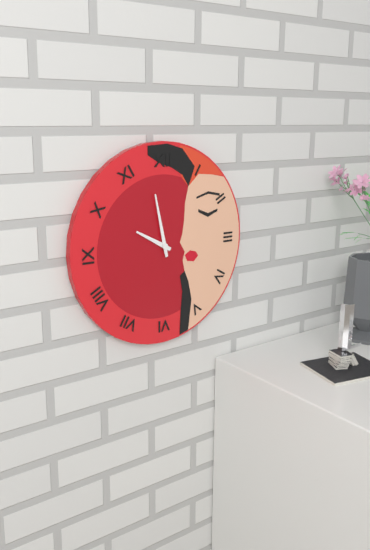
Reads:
h=9 m=58
